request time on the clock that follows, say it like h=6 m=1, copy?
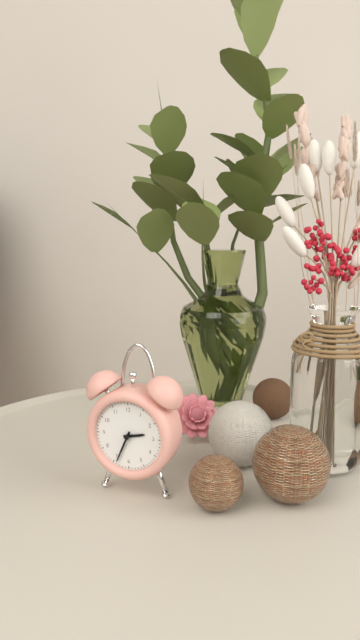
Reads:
h=2 m=34
